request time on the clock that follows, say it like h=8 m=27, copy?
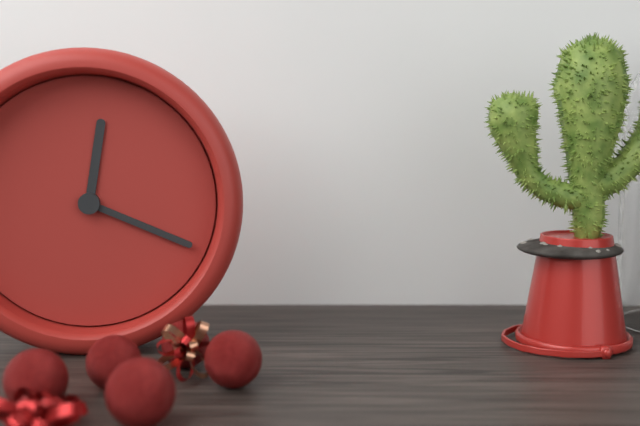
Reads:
h=12 m=19
